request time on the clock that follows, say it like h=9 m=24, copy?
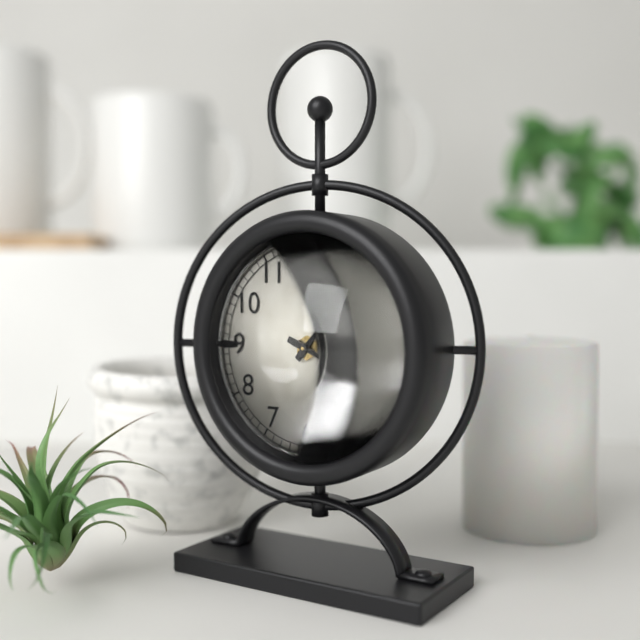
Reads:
h=1 m=19
